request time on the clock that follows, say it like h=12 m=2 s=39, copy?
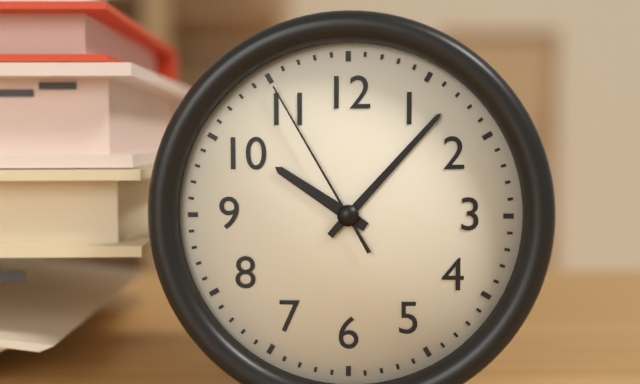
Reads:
h=10 m=7 s=55
